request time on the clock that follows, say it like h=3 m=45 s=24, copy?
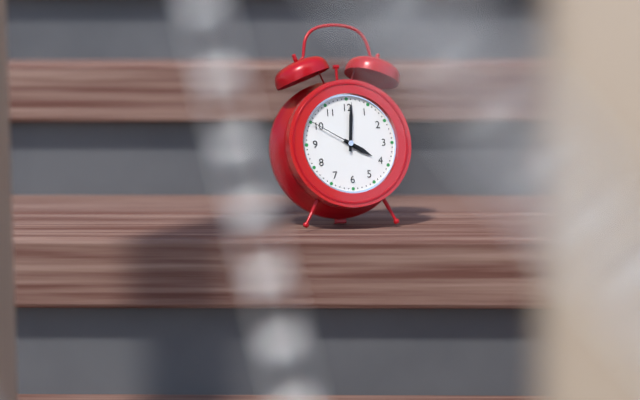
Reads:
h=4 m=1 s=50
